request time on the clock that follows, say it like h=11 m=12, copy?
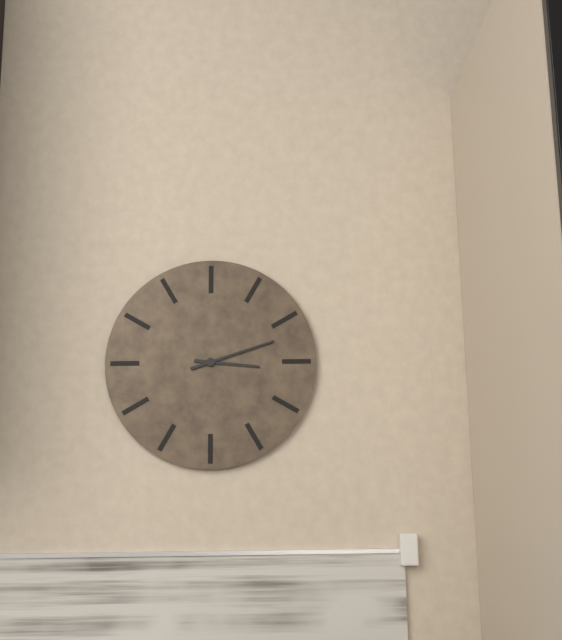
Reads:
h=3 m=12
